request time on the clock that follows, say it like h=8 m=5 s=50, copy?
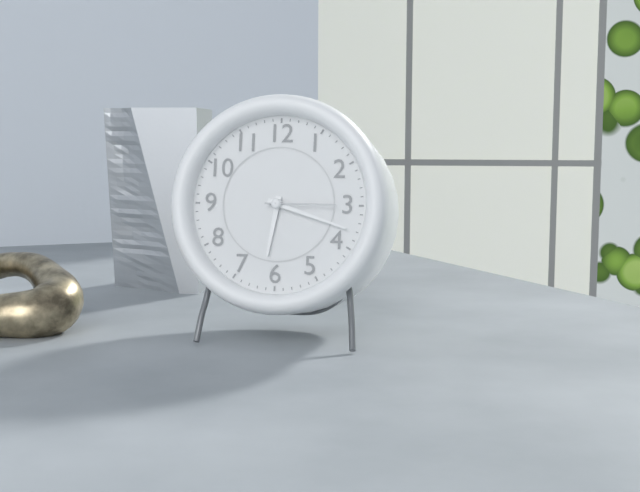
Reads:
h=6 m=18 s=15
